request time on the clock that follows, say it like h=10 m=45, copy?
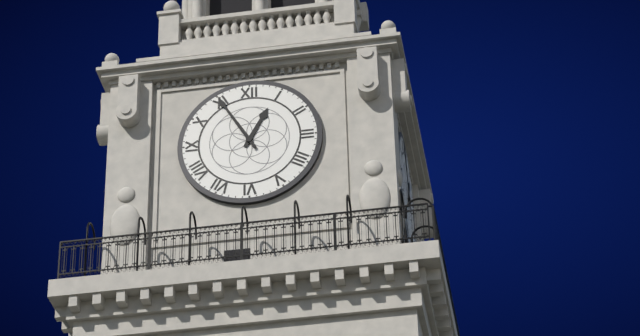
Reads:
h=12 m=55
